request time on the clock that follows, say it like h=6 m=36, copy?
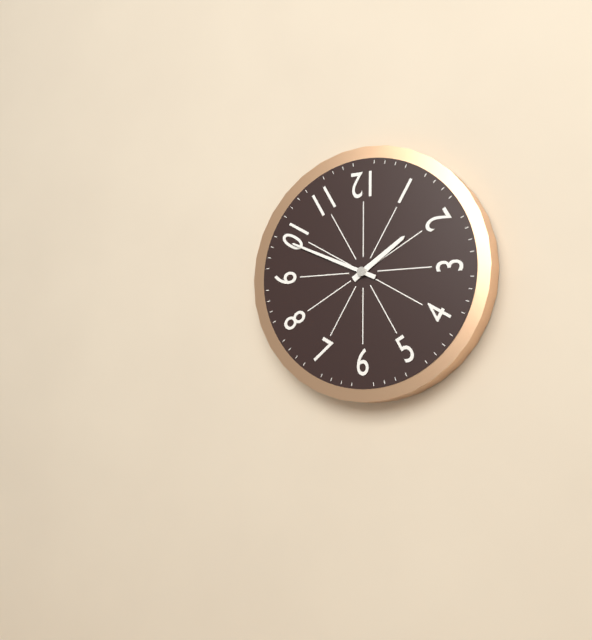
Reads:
h=1 m=49
